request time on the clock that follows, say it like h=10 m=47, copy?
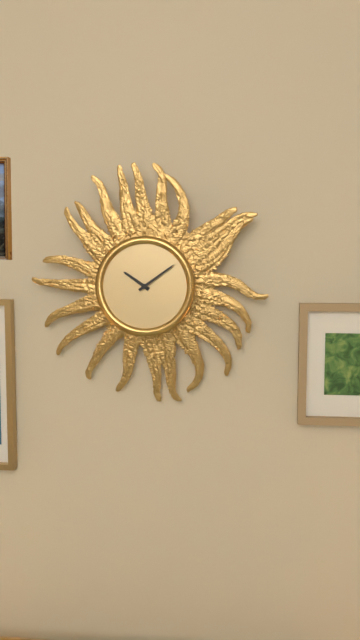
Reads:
h=10 m=9
